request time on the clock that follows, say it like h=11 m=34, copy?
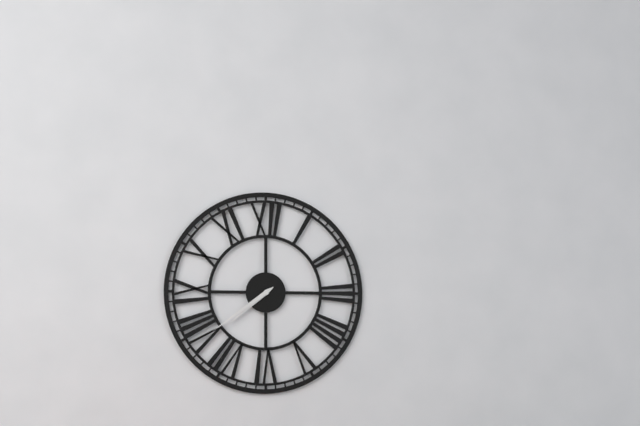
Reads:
h=7 m=39
